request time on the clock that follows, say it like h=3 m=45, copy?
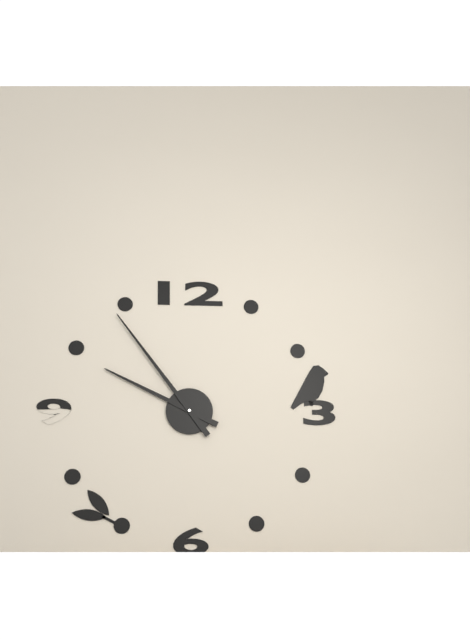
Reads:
h=9 m=54
